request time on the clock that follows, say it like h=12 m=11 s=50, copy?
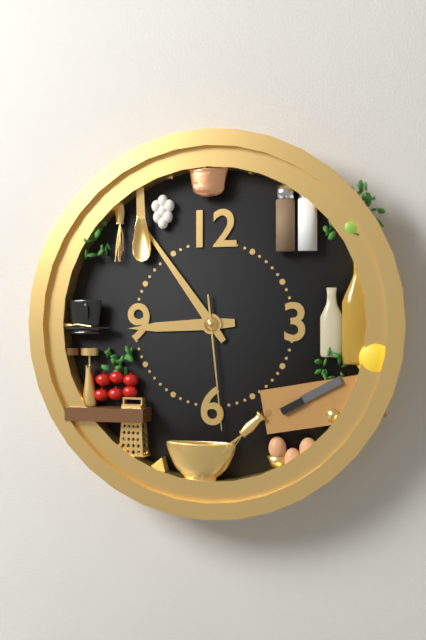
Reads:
h=8 m=54 s=29
